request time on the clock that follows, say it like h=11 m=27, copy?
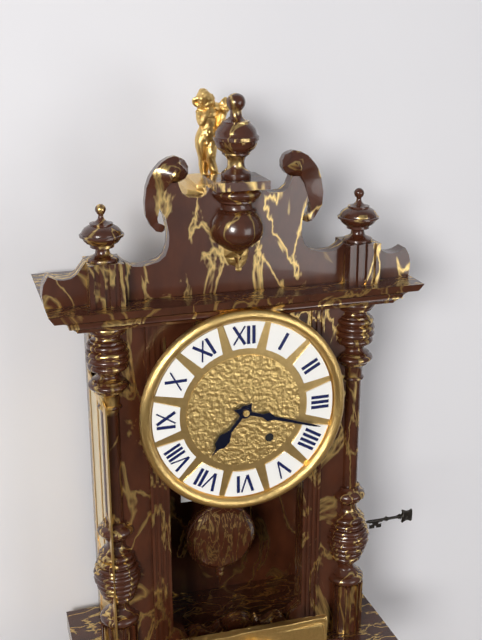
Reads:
h=7 m=18
